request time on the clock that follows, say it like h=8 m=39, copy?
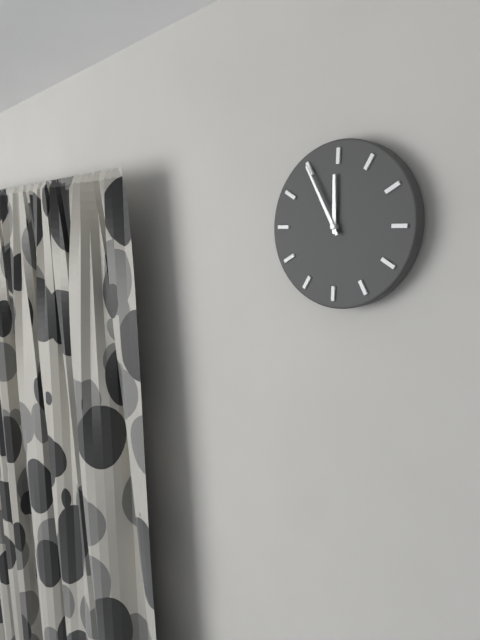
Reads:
h=11 m=55
